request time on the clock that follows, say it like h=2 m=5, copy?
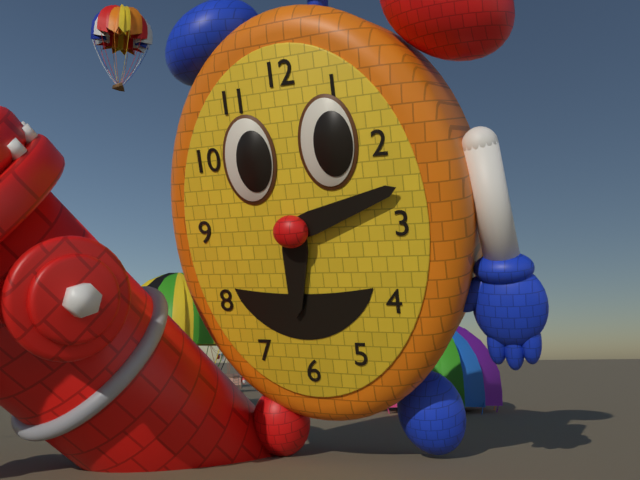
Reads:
h=6 m=12
